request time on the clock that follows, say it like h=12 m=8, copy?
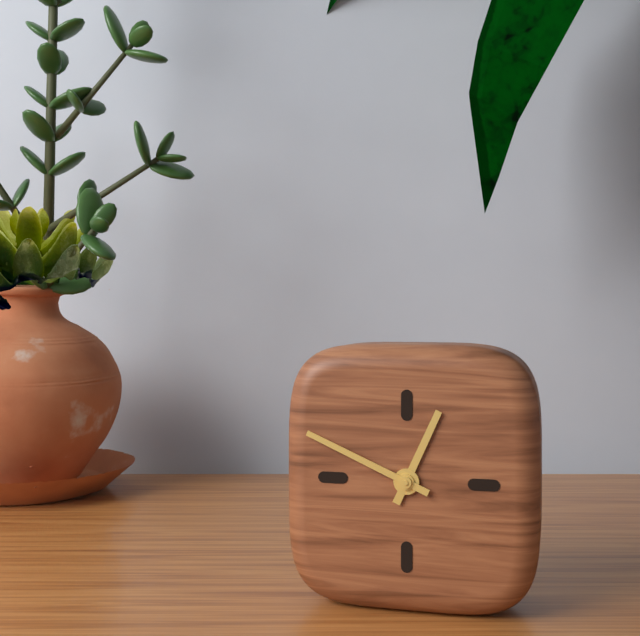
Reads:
h=12 m=49
